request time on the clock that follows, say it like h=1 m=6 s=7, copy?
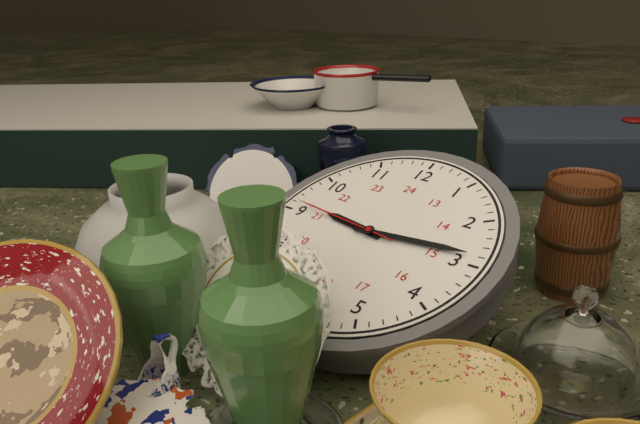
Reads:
h=9 m=14 s=46
